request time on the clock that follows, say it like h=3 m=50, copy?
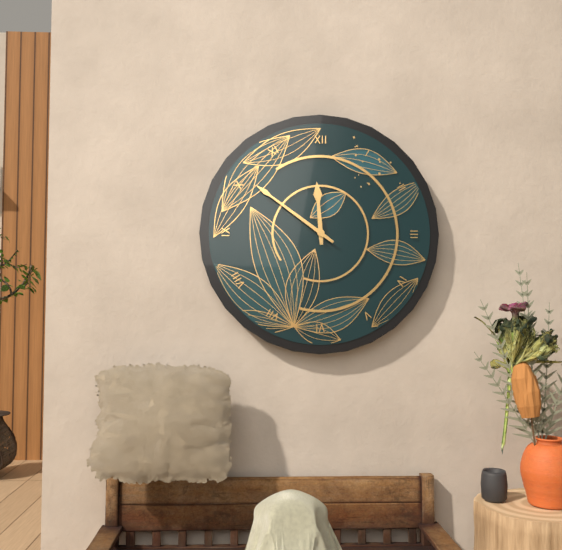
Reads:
h=11 m=51
